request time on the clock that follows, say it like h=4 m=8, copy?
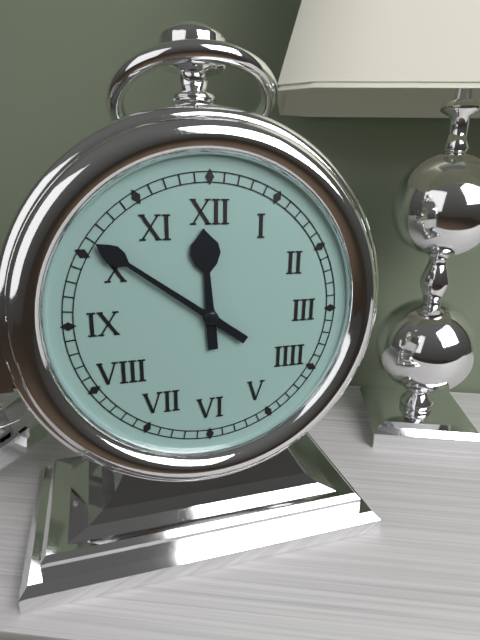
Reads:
h=11 m=51
